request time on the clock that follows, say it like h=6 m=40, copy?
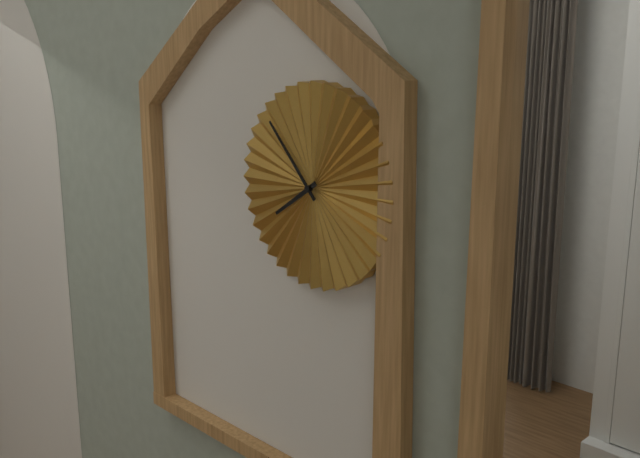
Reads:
h=7 m=53
